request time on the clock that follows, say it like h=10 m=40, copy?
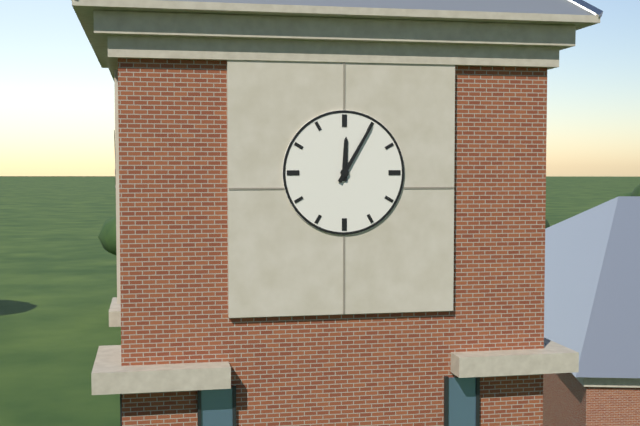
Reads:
h=12 m=5
